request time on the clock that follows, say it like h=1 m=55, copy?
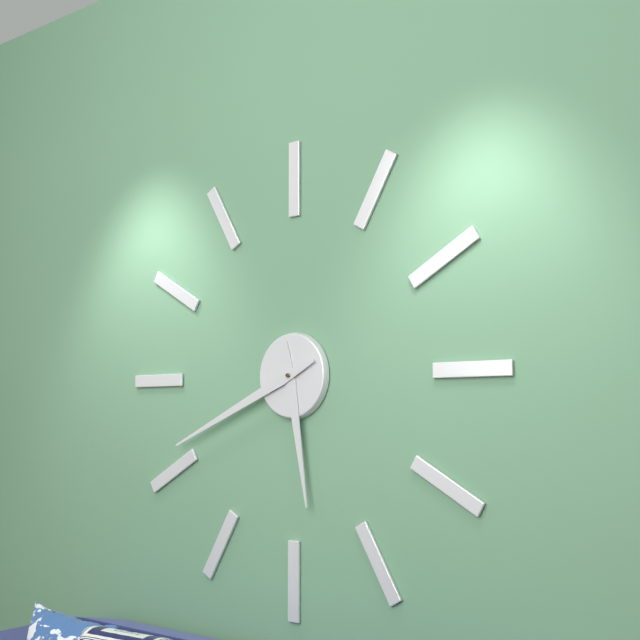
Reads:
h=5 m=41
